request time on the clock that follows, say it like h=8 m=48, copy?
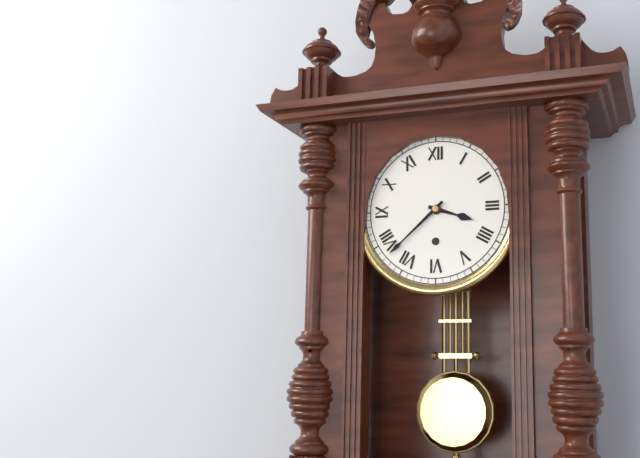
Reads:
h=3 m=38
